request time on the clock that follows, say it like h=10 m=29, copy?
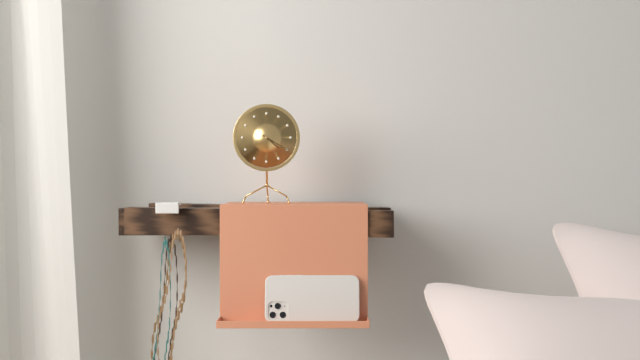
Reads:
h=4 m=20
